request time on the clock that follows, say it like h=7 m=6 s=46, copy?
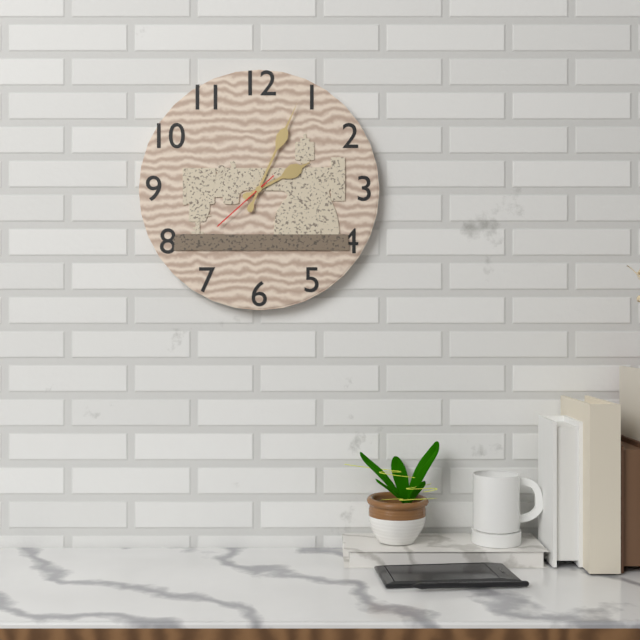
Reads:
h=2 m=4 s=38
